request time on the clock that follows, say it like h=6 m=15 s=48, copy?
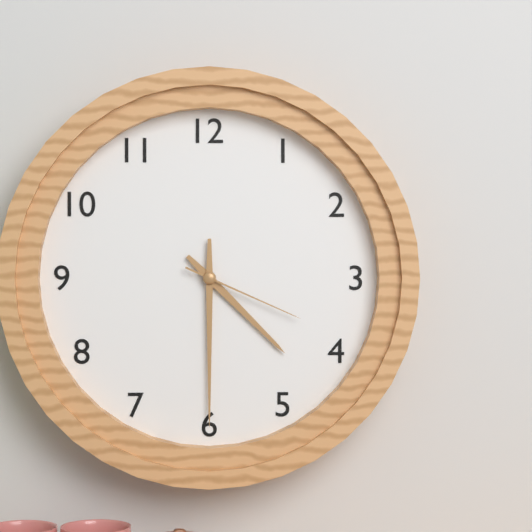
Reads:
h=4 m=30 s=19
